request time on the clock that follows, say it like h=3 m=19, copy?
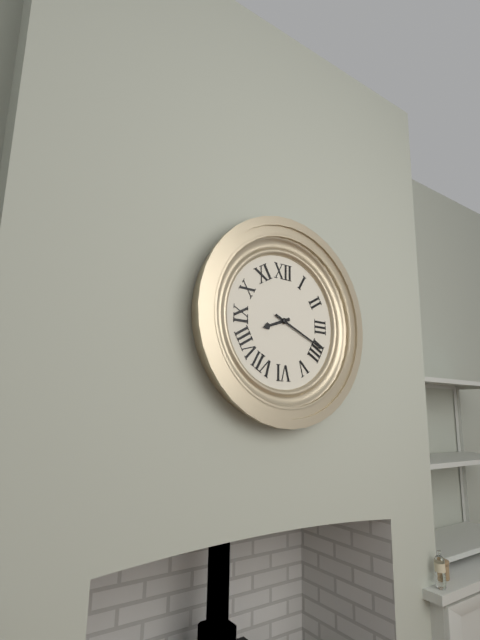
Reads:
h=8 m=19
